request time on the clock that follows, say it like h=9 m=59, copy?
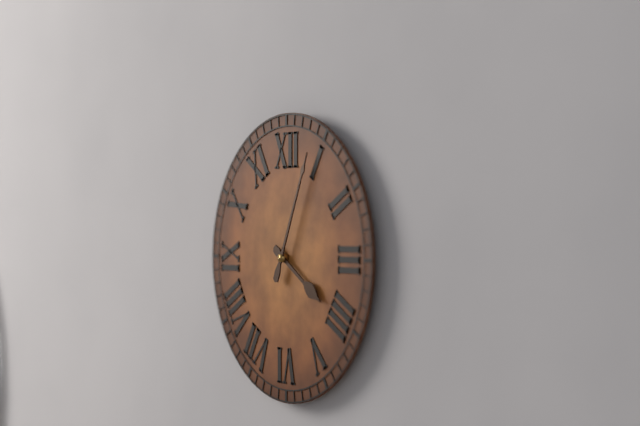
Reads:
h=4 m=4
